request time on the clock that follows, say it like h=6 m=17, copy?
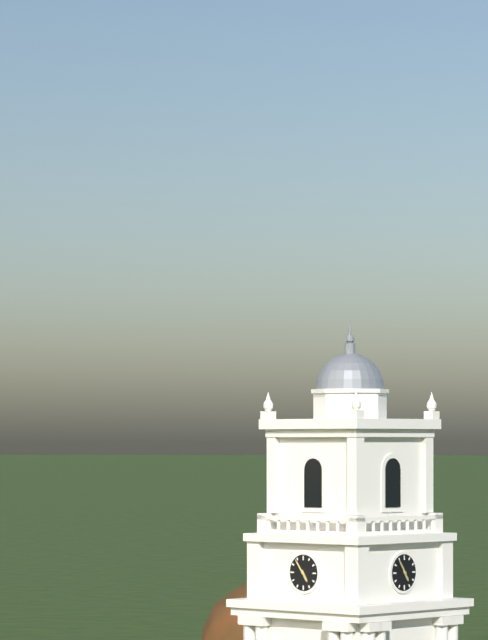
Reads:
h=4 m=54
